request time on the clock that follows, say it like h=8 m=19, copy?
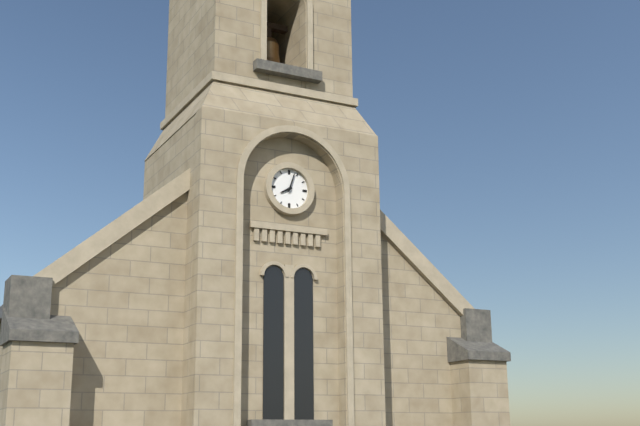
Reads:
h=8 m=3
